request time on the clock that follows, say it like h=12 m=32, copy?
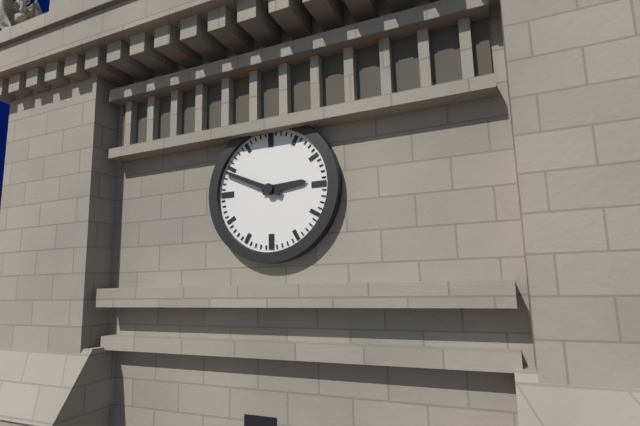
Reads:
h=2 m=49
